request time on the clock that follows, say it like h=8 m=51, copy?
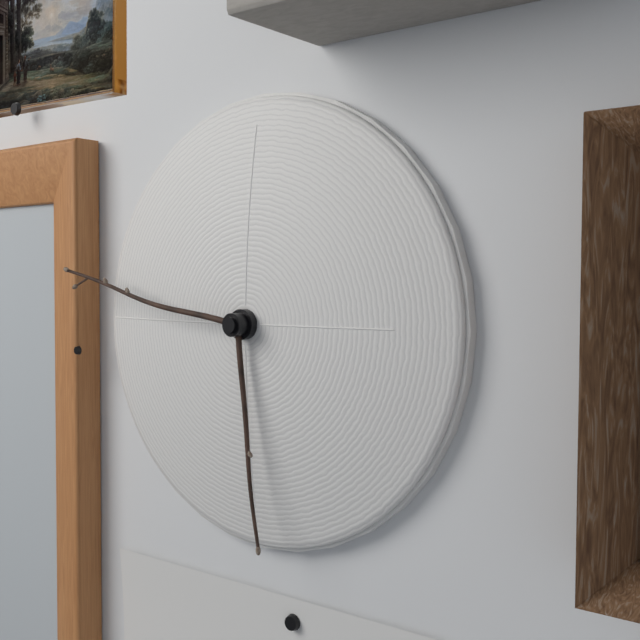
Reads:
h=5 m=47
